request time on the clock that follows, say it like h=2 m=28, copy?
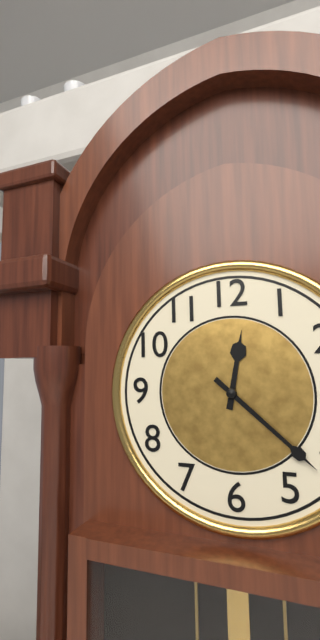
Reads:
h=12 m=22
